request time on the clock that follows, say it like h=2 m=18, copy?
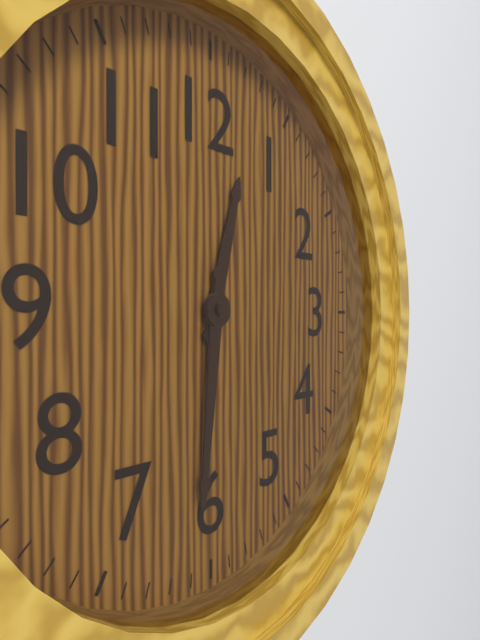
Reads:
h=12 m=31
